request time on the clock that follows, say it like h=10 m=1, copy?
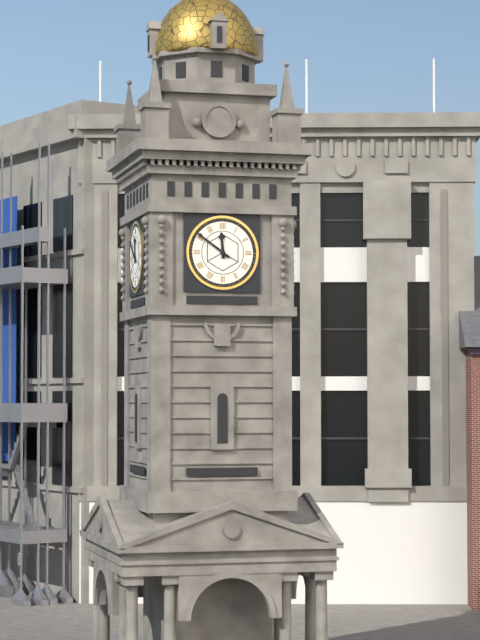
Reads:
h=11 m=51
